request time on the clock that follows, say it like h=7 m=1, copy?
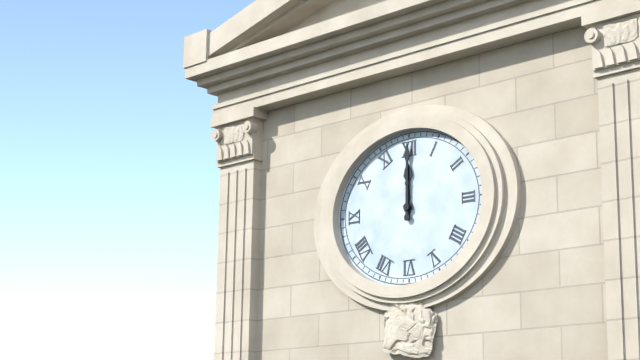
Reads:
h=12 m=0
